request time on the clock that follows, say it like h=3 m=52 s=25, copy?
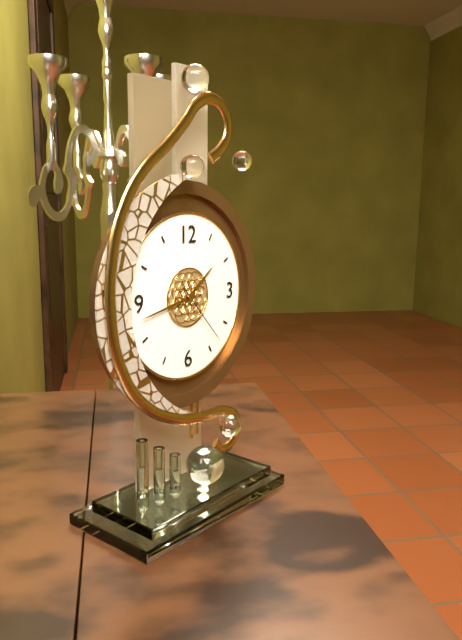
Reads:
h=1 m=43 s=23
